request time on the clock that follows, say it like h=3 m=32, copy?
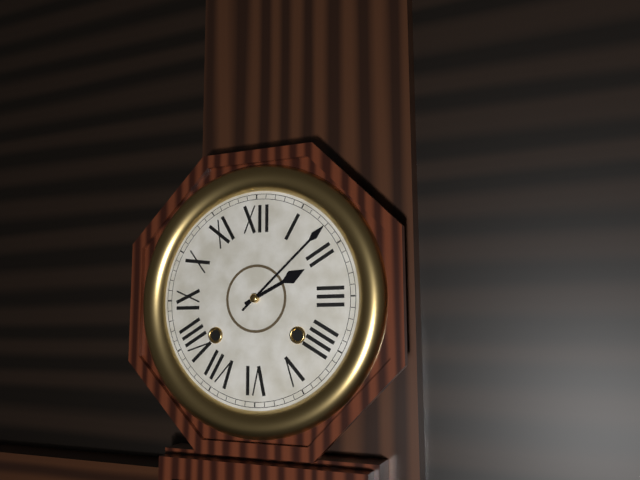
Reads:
h=2 m=8
